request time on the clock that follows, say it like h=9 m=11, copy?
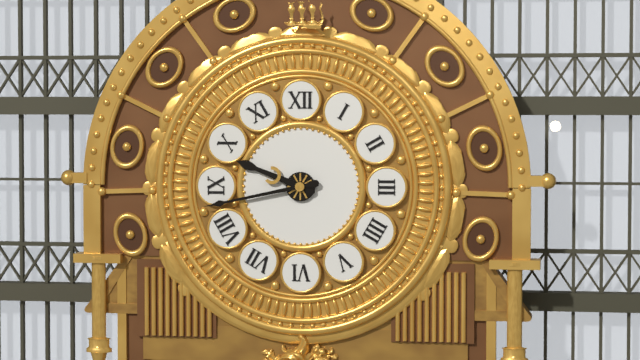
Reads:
h=9 m=43
